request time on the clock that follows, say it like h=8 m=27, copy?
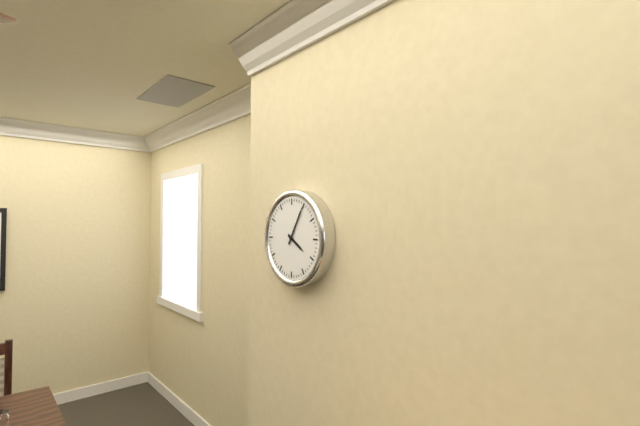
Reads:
h=4 m=5
